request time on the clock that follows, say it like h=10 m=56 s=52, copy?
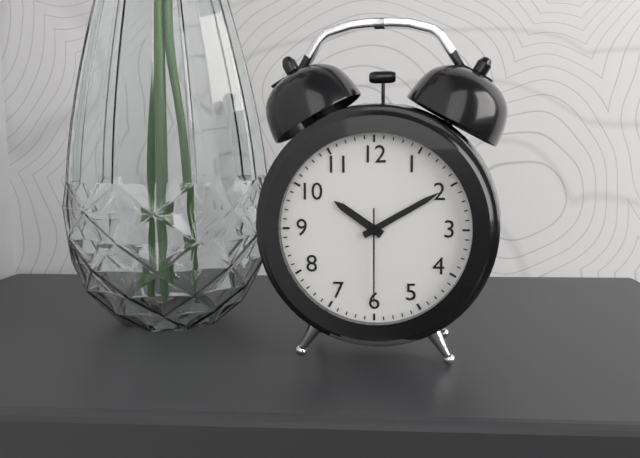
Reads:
h=10 m=10 s=30
